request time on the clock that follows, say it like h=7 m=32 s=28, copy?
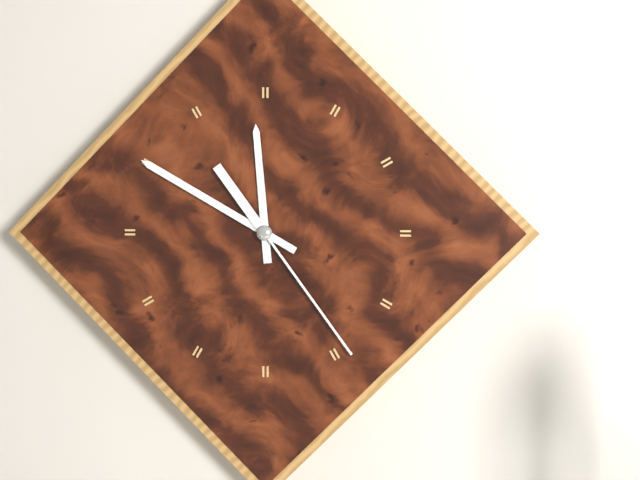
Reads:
h=11 m=50 s=24
